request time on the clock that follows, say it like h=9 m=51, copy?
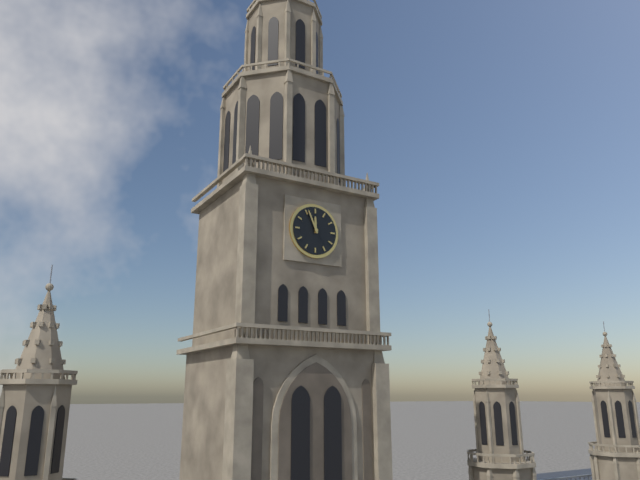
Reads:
h=11 m=56
